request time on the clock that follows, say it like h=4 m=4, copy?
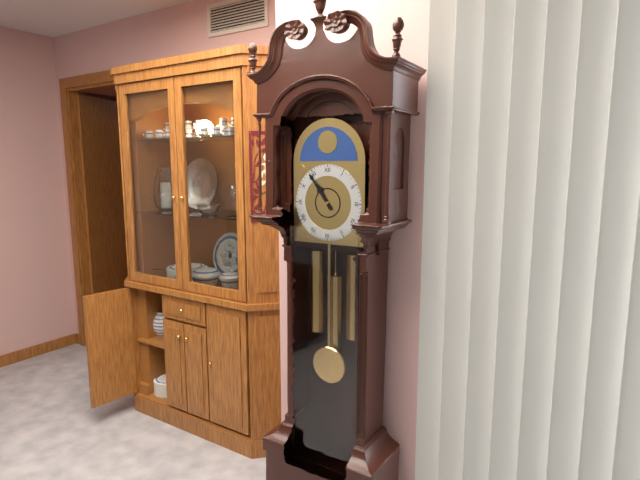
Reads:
h=10 m=54
